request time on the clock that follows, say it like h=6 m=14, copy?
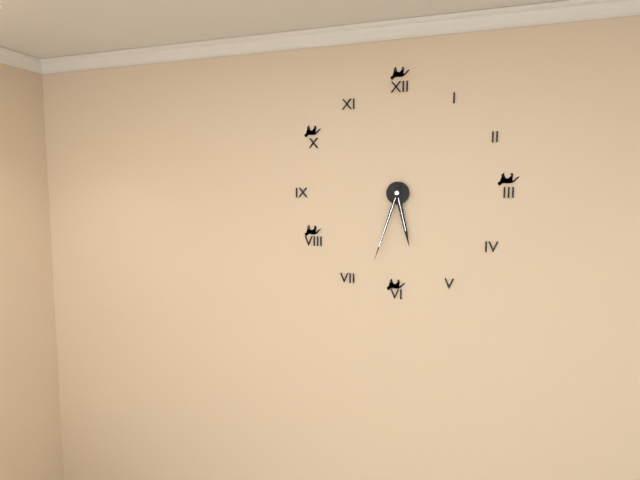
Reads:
h=5 m=33
